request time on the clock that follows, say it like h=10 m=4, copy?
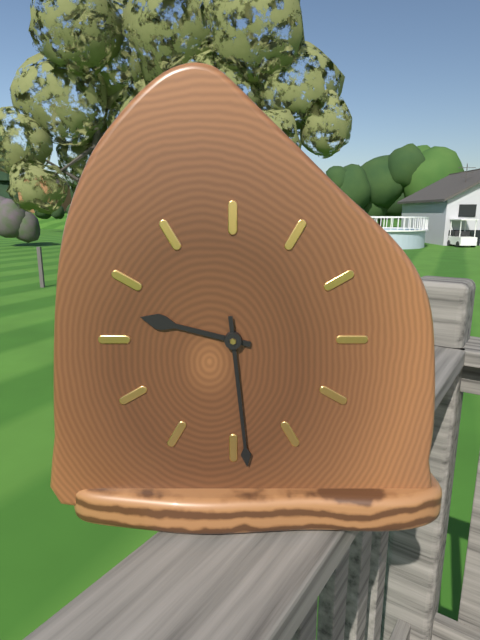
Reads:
h=9 m=29
